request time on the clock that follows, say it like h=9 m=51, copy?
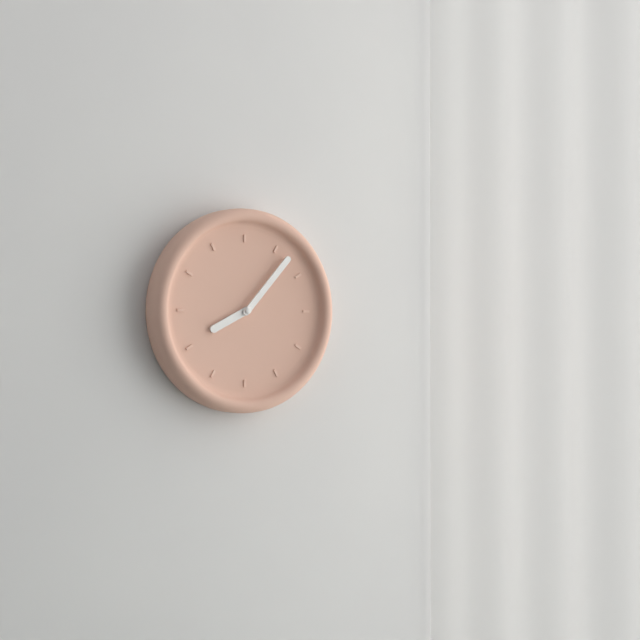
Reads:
h=8 m=7
